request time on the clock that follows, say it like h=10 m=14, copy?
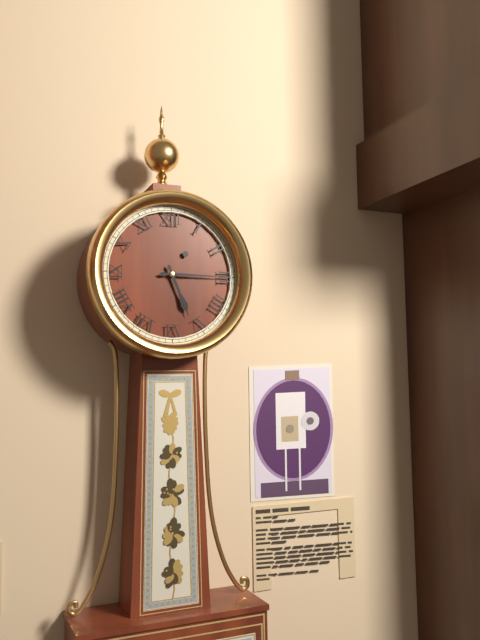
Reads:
h=5 m=15
